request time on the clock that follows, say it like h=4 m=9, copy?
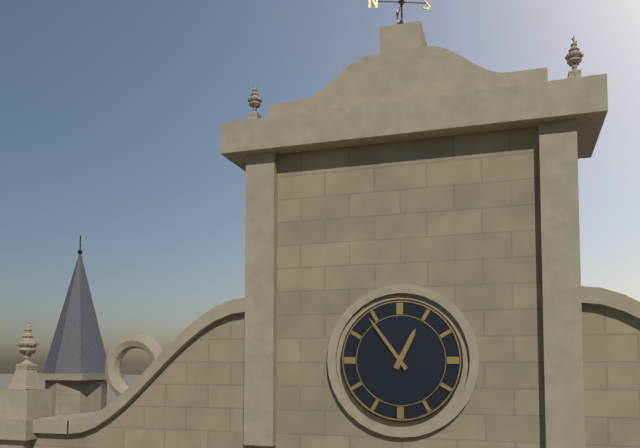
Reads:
h=12 m=54
